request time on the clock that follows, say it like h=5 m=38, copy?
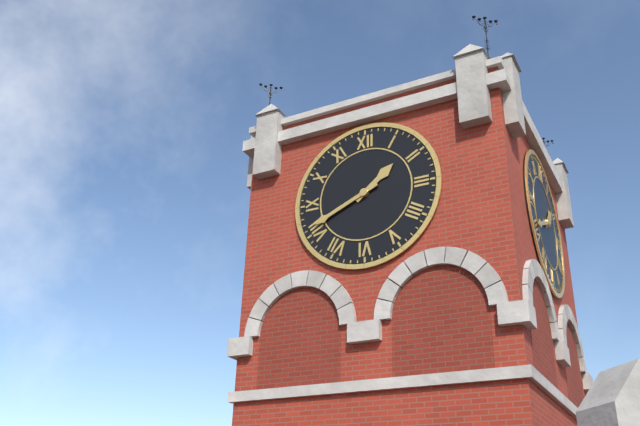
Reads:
h=1 m=41
